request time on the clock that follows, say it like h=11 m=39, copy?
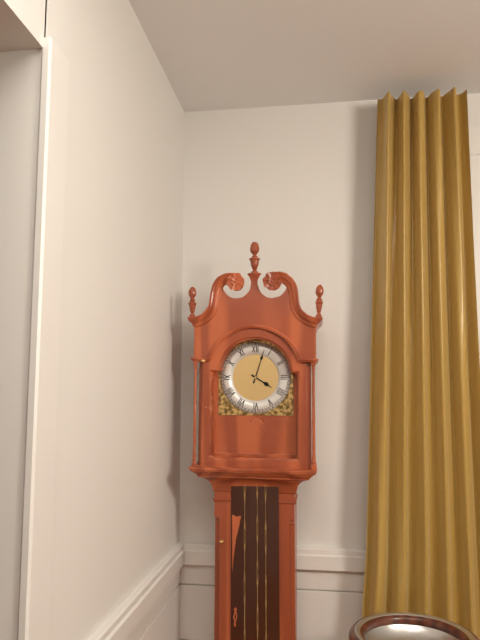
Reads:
h=4 m=3
